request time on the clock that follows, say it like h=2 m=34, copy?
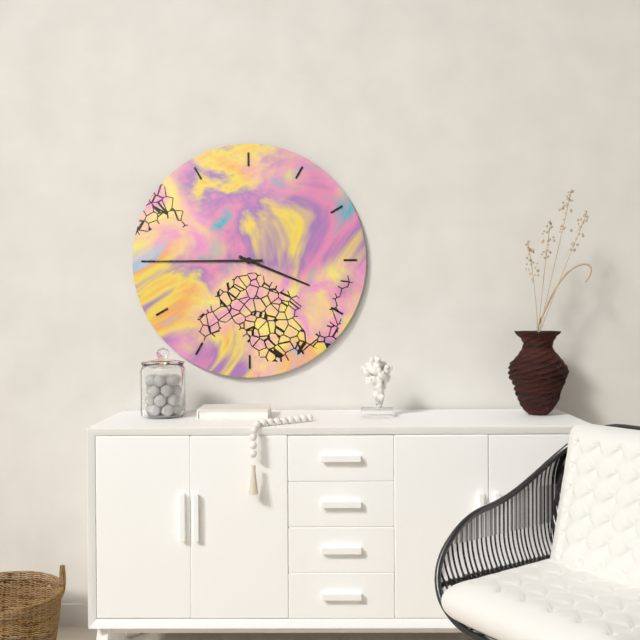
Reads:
h=3 m=45
